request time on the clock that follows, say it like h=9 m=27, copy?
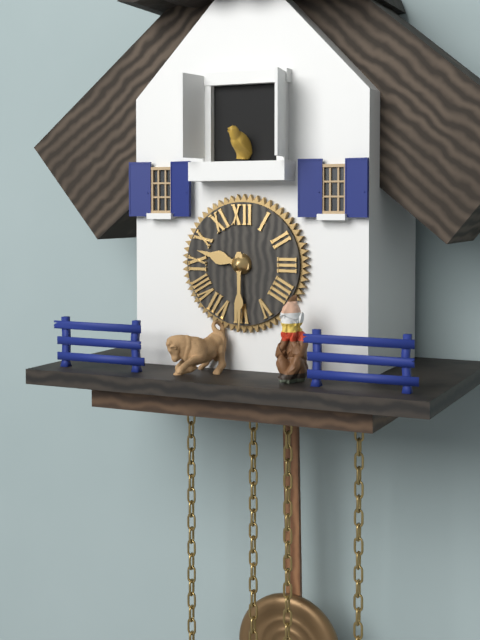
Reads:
h=9 m=30
